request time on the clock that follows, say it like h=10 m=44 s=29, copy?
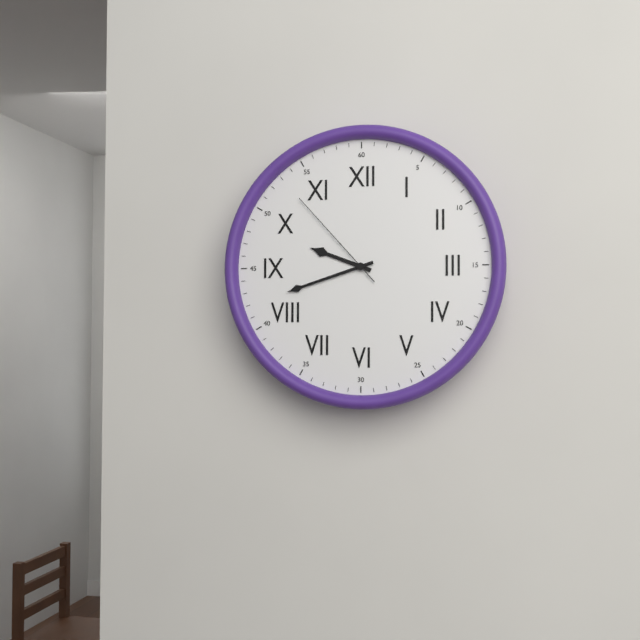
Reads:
h=9 m=42 s=53
